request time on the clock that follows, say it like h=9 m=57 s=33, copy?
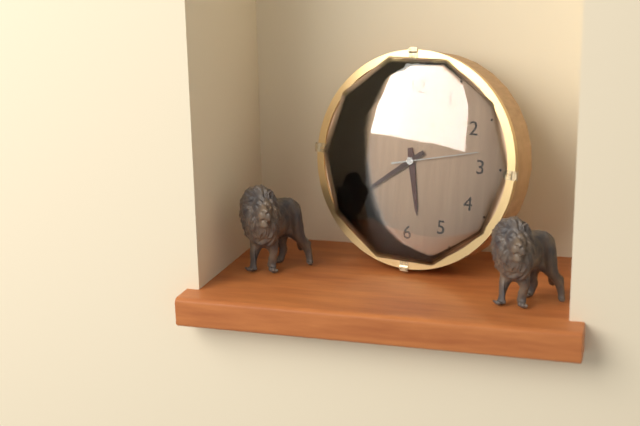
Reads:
h=5 m=39 s=13
